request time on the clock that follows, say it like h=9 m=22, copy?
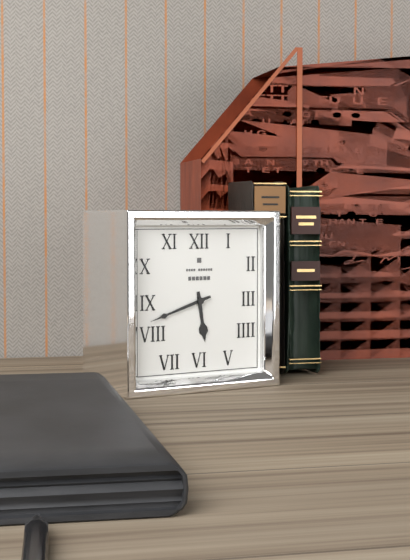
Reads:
h=5 m=42
